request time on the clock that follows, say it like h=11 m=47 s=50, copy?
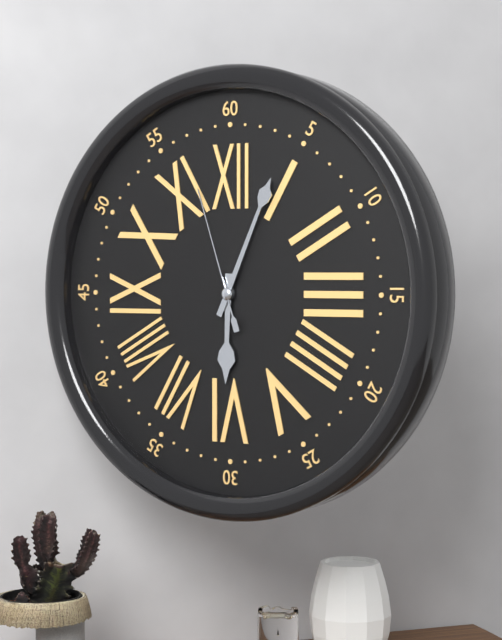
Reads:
h=6 m=4 s=57
